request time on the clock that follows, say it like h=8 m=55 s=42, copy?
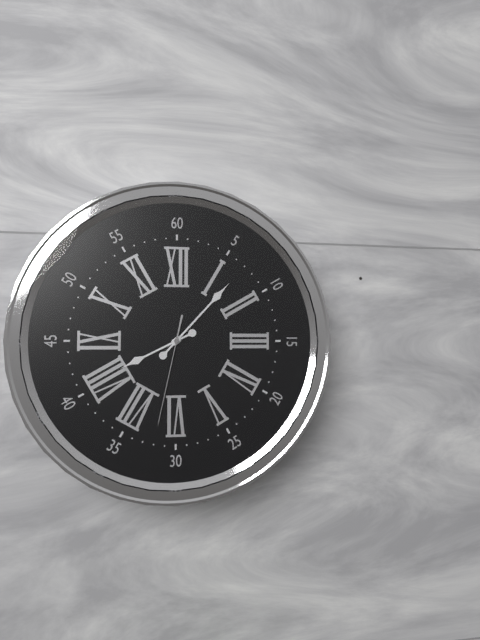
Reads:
h=8 m=7 s=32
